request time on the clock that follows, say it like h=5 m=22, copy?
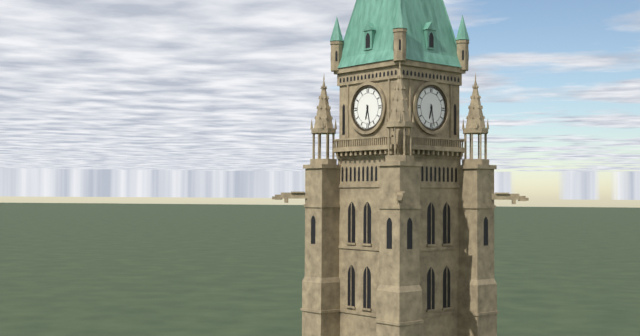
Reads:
h=6 m=28
